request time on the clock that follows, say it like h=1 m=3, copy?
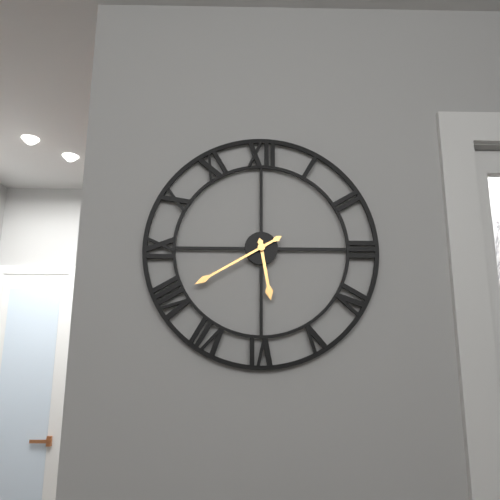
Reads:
h=5 m=40
